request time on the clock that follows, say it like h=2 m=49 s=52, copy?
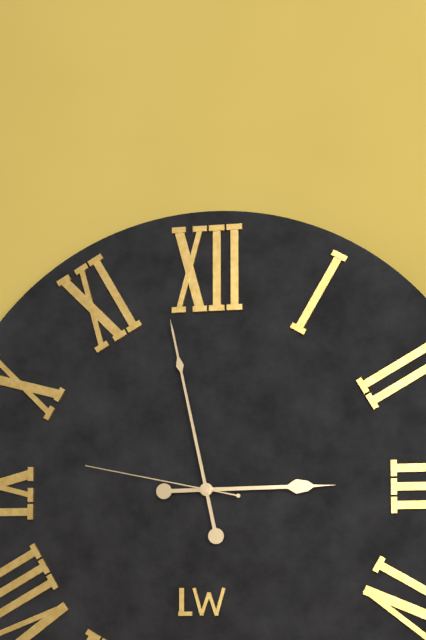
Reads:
h=2 m=58 s=47
